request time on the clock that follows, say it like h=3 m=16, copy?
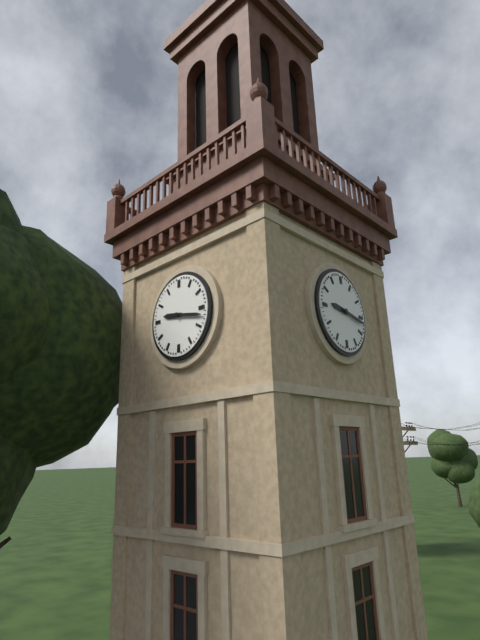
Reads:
h=9 m=17
